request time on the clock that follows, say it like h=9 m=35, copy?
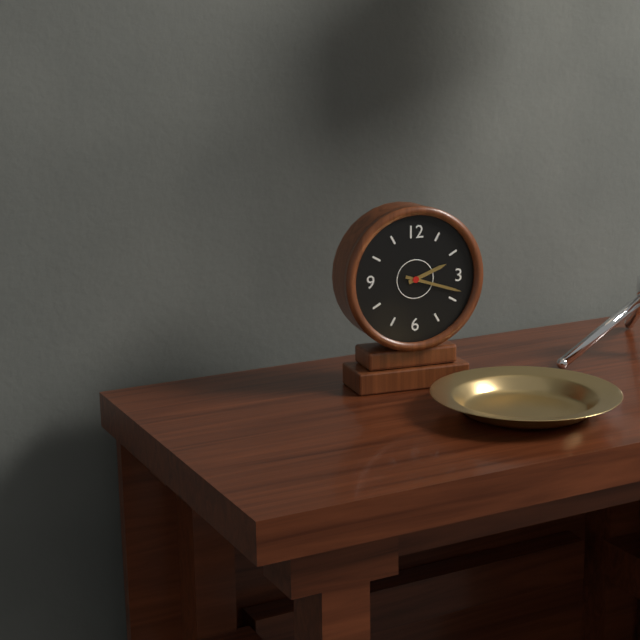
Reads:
h=2 m=18
